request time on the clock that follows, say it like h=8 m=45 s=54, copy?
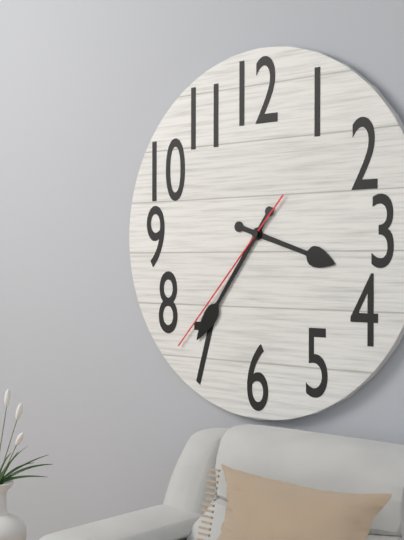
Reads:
h=3 m=36 s=37
